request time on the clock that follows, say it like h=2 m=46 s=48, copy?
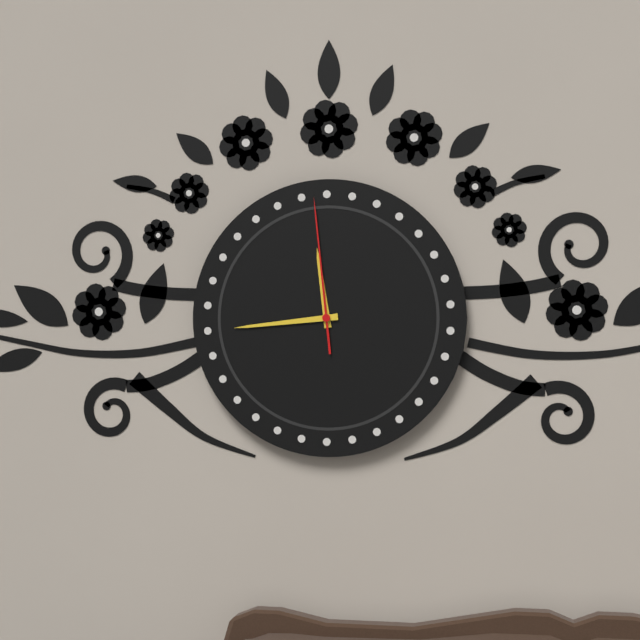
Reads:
h=11 m=44 s=59
